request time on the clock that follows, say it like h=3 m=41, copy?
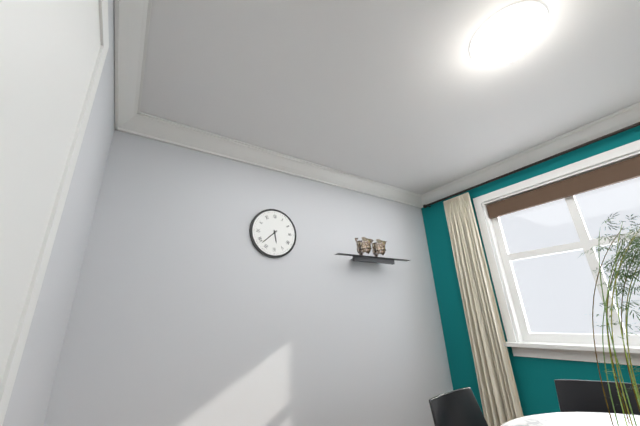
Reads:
h=5 m=38
